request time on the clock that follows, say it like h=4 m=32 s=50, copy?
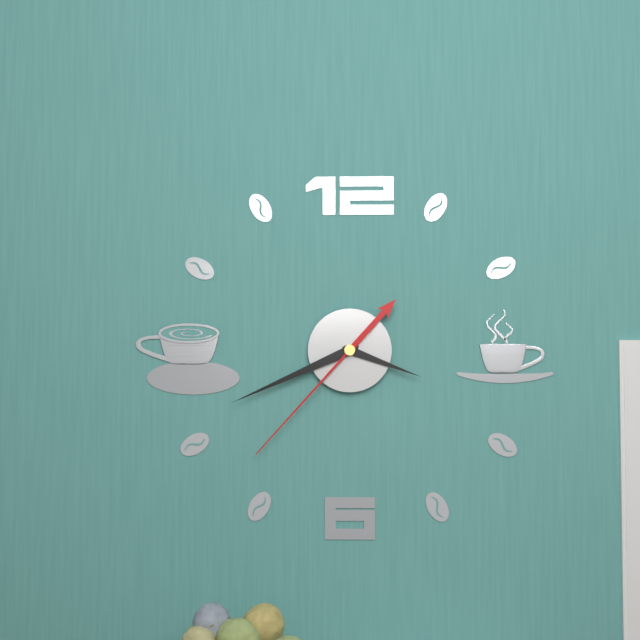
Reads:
h=3 m=41 s=37
